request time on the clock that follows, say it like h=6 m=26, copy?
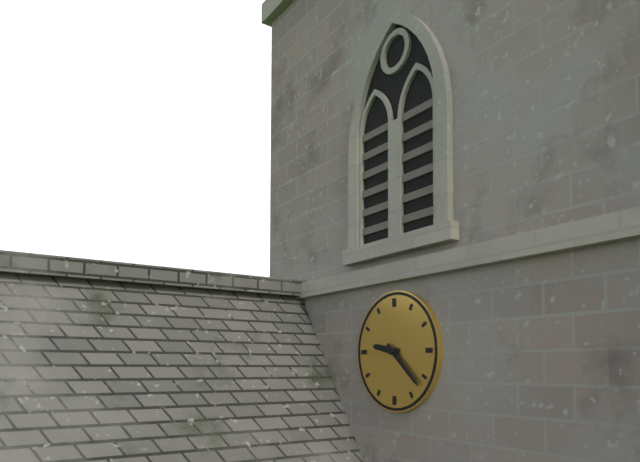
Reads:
h=9 m=22
